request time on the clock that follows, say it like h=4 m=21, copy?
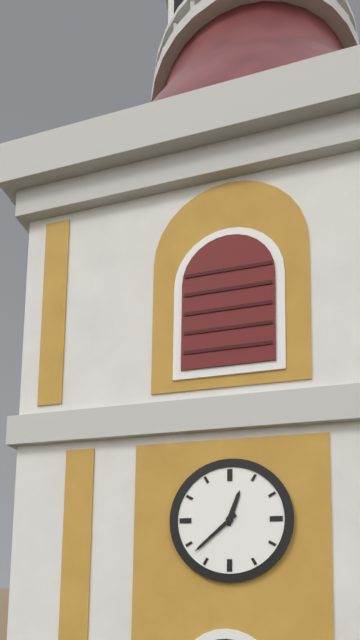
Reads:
h=12 m=38
